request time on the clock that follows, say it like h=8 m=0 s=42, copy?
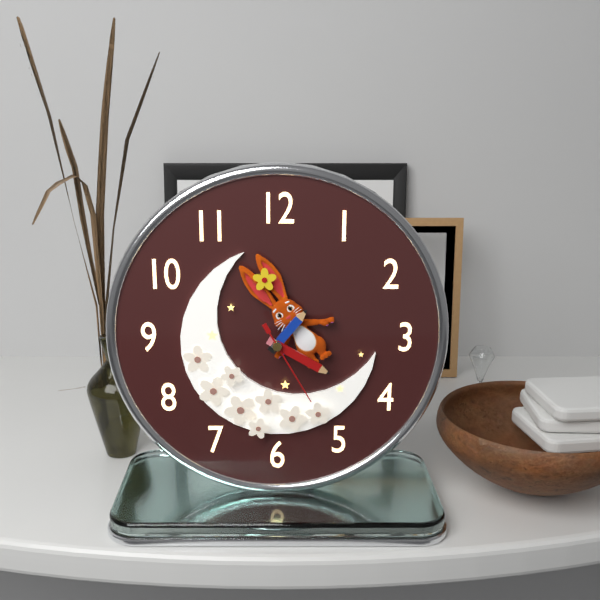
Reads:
h=1 m=20 s=25
